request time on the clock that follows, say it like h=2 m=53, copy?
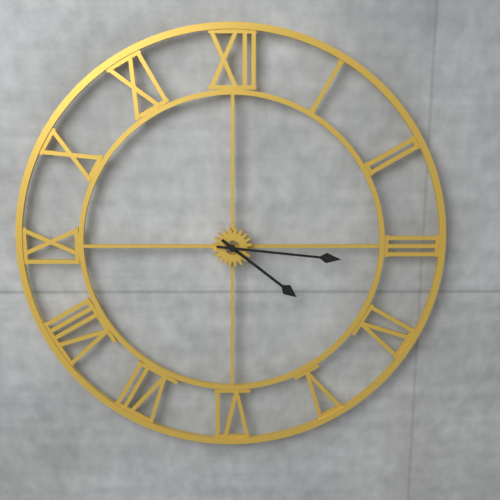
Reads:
h=4 m=16
